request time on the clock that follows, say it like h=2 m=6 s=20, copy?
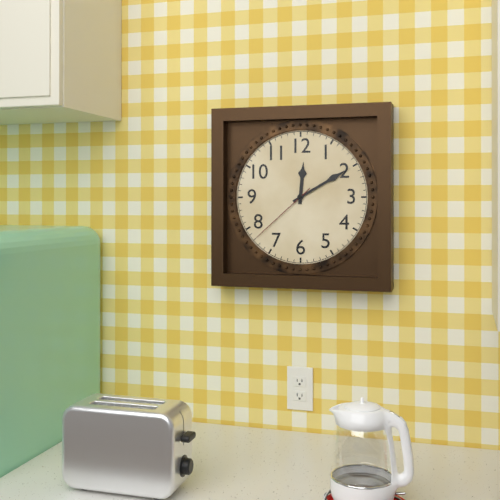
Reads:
h=12 m=10 s=38
